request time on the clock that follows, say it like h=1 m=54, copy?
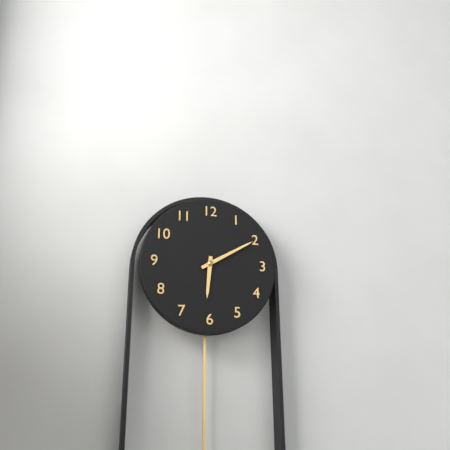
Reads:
h=6 m=10
